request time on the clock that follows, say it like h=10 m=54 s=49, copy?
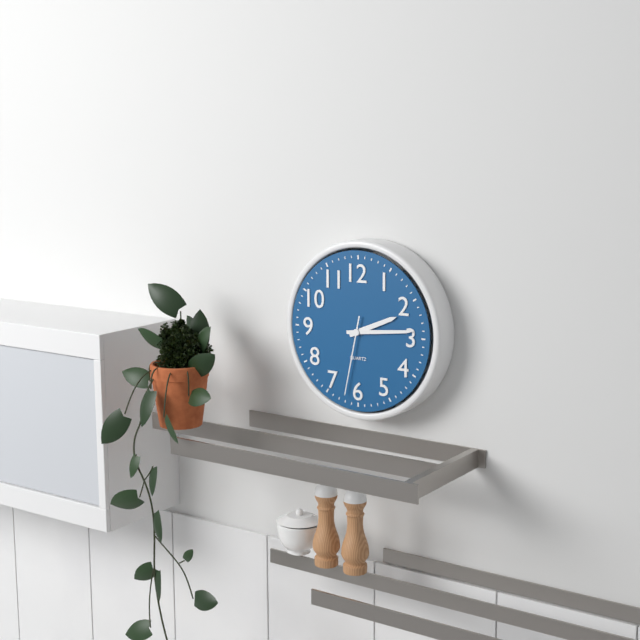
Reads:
h=2 m=14 s=32
